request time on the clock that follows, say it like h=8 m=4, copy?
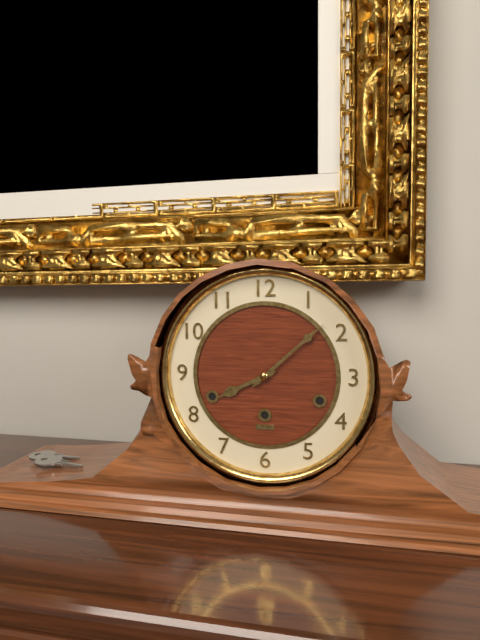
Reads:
h=8 m=8
